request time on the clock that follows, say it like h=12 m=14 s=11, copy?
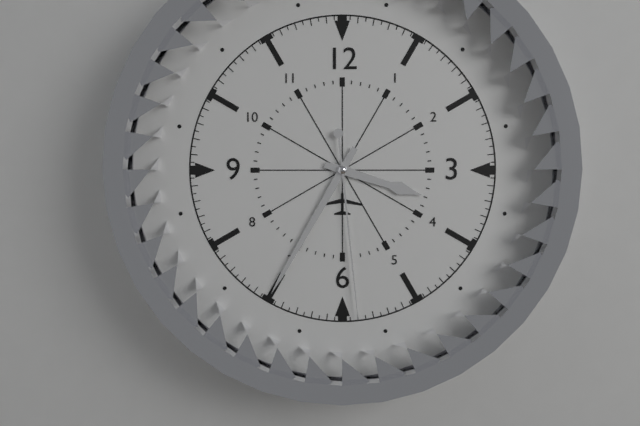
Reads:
h=3 m=35 s=29
